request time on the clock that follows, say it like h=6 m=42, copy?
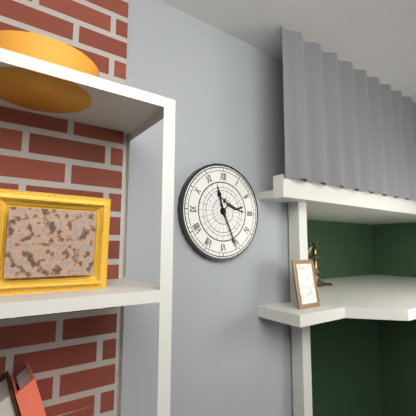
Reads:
h=11 m=26
